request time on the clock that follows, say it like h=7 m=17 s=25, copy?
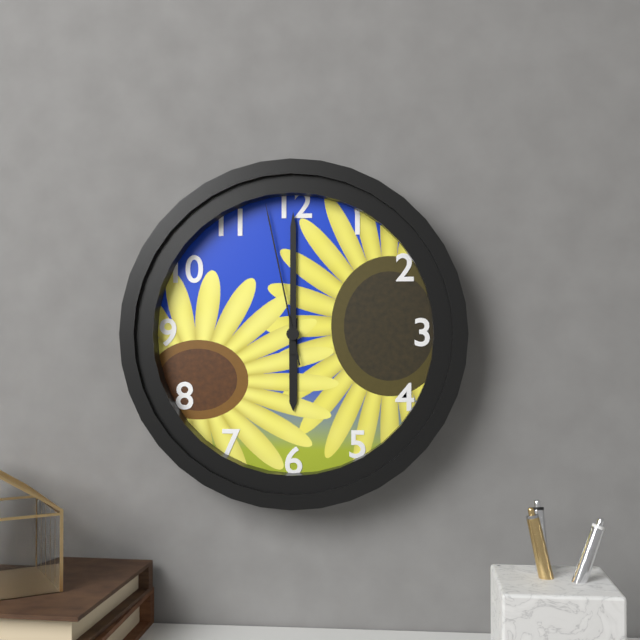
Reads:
h=6 m=0 s=58
